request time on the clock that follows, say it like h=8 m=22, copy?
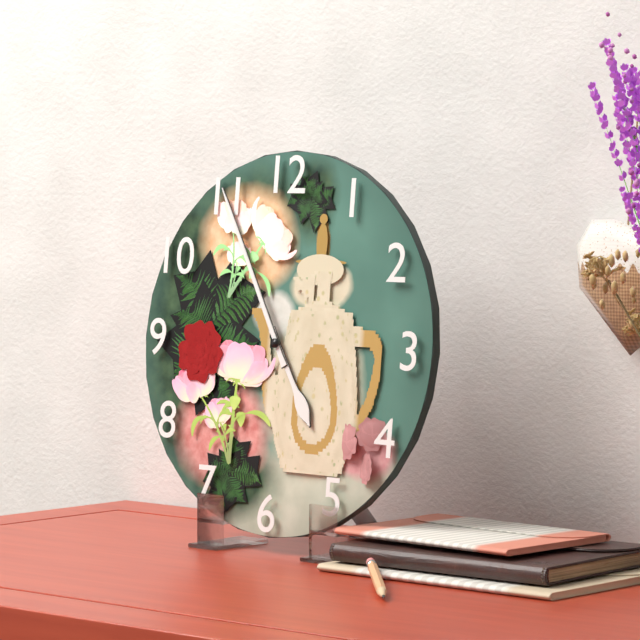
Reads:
h=4 m=55
